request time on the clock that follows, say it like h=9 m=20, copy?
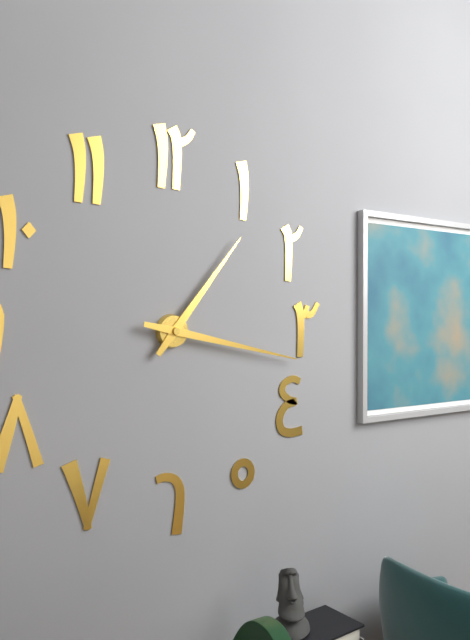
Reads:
h=1 m=17
